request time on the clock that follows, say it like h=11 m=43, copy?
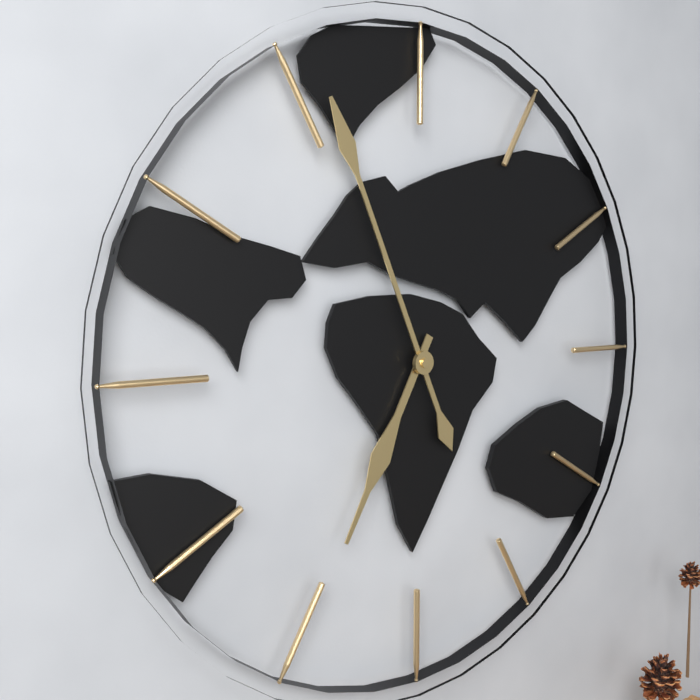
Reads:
h=6 m=56
